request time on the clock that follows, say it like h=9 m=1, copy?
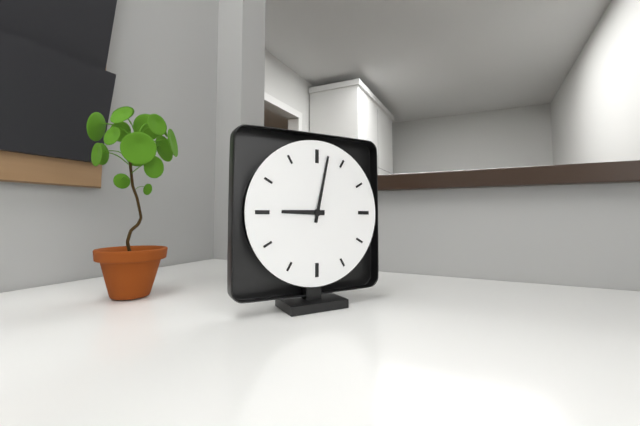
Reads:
h=9 m=2
